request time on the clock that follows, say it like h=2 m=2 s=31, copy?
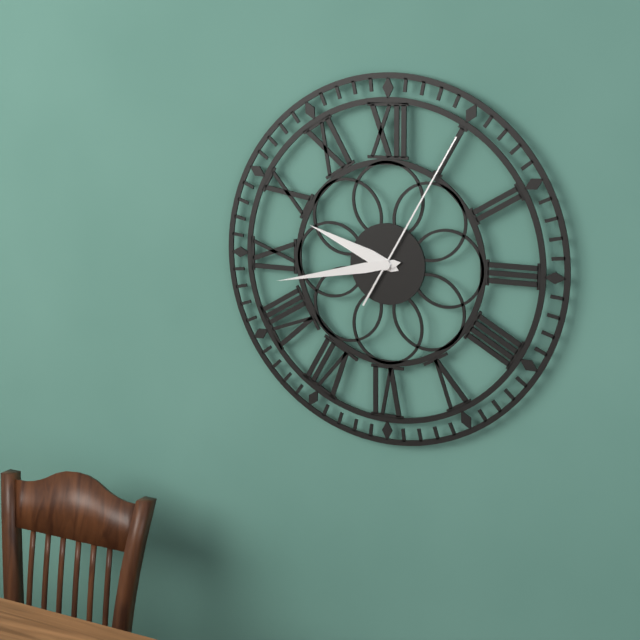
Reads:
h=9 m=43 s=5
